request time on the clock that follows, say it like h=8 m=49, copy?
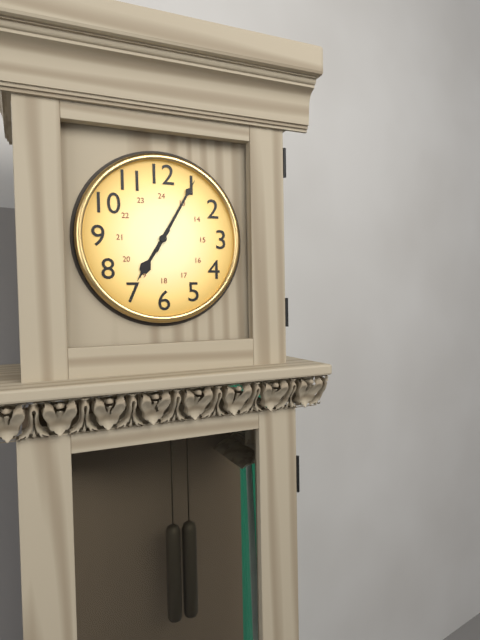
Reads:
h=7 m=5
